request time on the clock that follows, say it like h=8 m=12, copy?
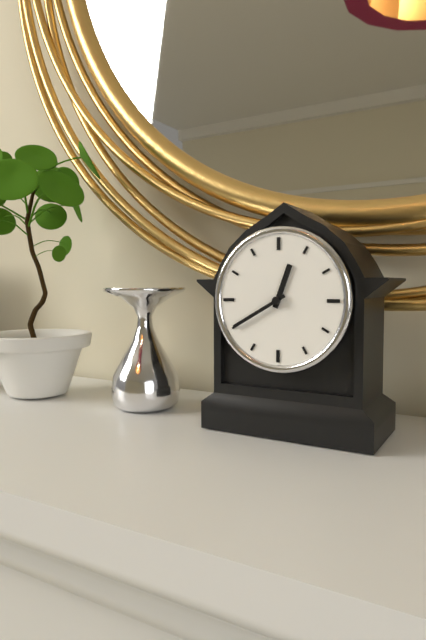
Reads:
h=12 m=40
